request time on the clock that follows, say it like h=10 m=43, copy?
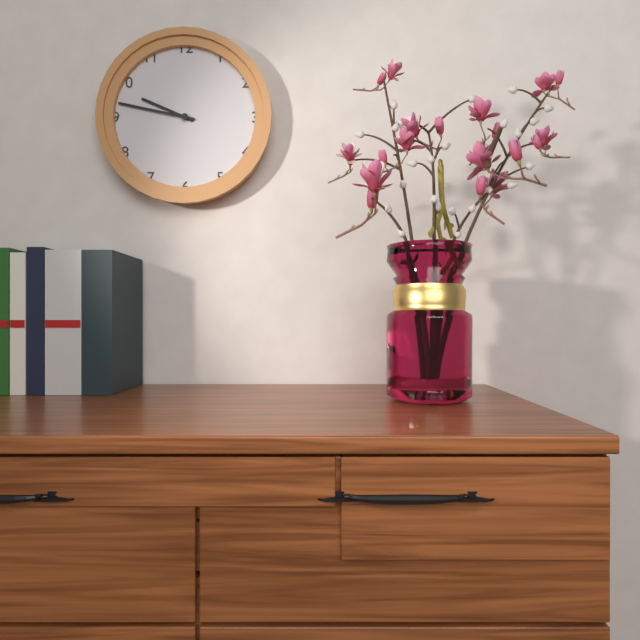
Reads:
h=9 m=47
